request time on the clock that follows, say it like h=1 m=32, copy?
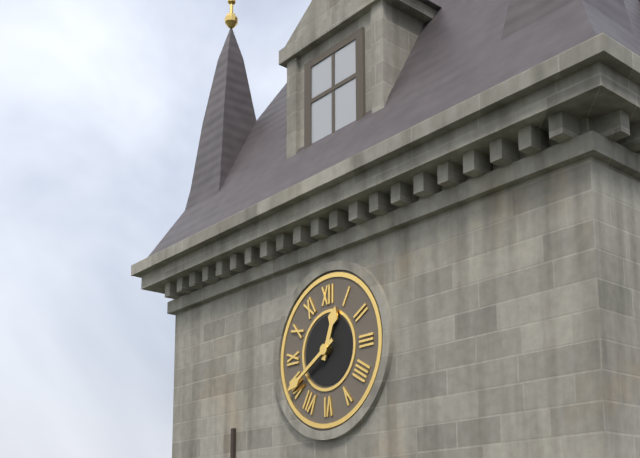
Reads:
h=12 m=40
